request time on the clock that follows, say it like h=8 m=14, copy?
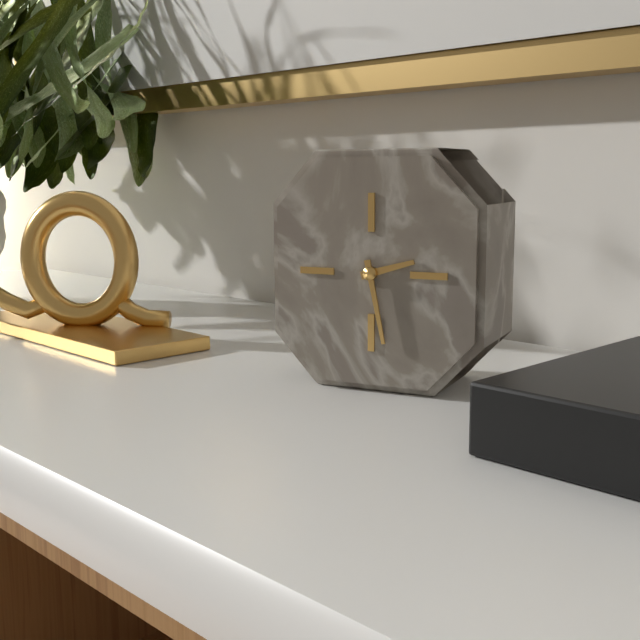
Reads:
h=2 m=28
